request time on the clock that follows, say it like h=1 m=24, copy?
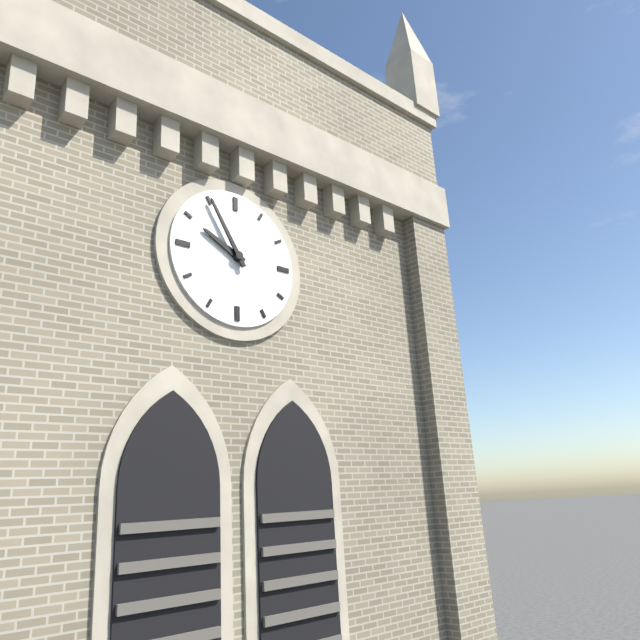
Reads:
h=9 m=55
